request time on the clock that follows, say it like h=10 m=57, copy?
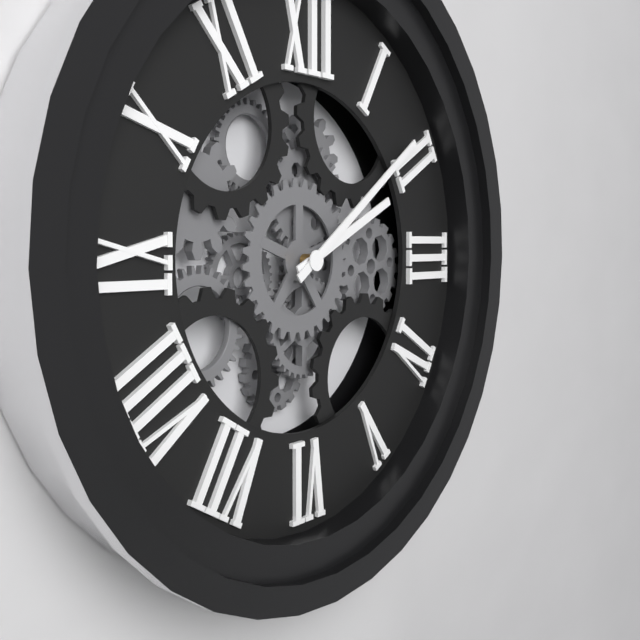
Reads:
h=2 m=9
